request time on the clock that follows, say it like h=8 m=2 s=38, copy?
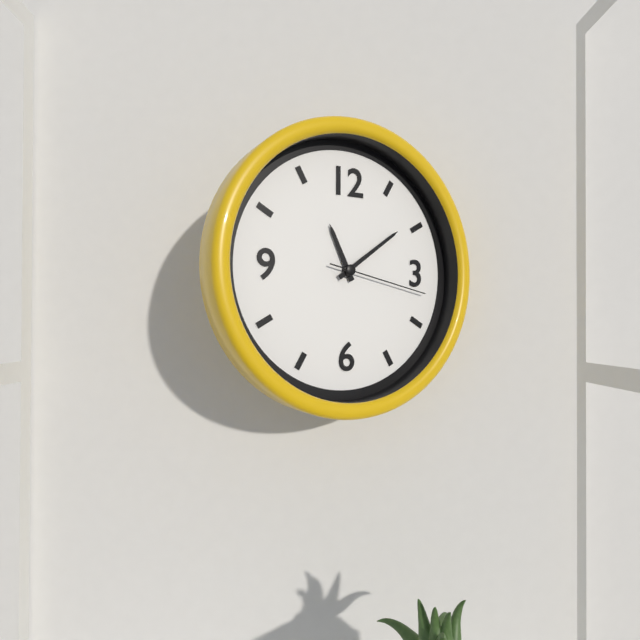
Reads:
h=11 m=9 s=17
